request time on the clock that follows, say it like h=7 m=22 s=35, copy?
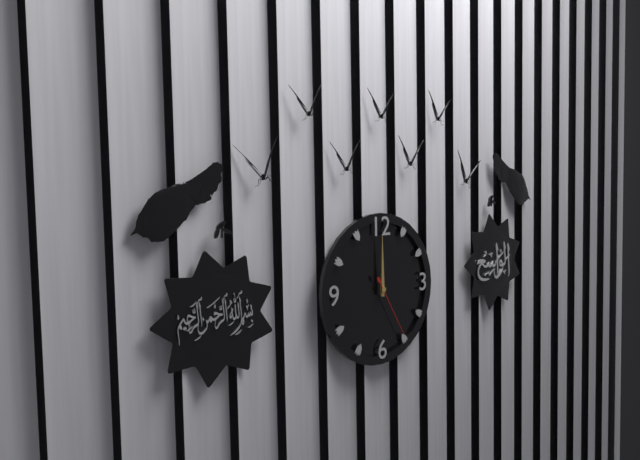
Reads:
h=12 m=0 s=25
